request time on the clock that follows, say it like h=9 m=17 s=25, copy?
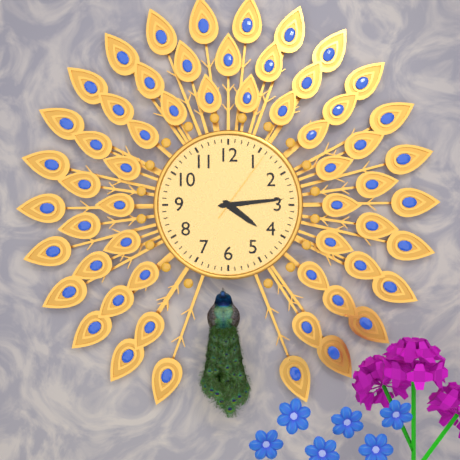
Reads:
h=4 m=14 s=6
